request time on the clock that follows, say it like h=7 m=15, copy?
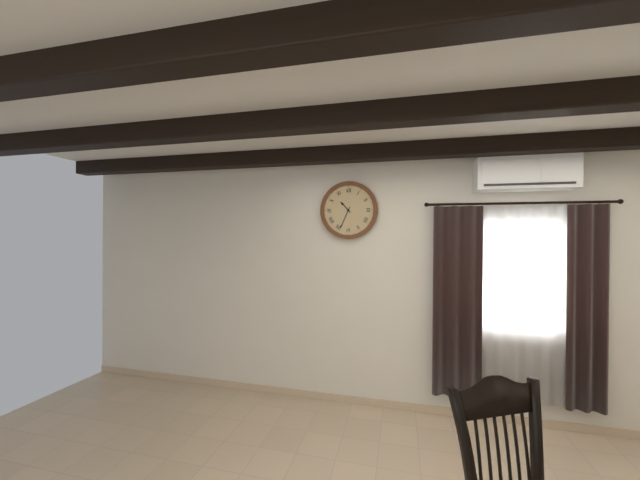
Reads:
h=10 m=34
